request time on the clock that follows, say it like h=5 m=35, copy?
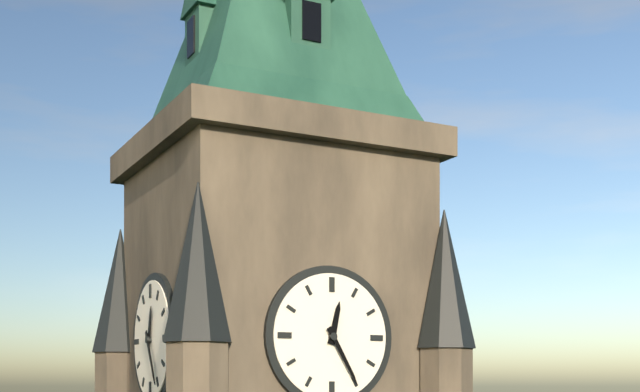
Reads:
h=12 m=25
